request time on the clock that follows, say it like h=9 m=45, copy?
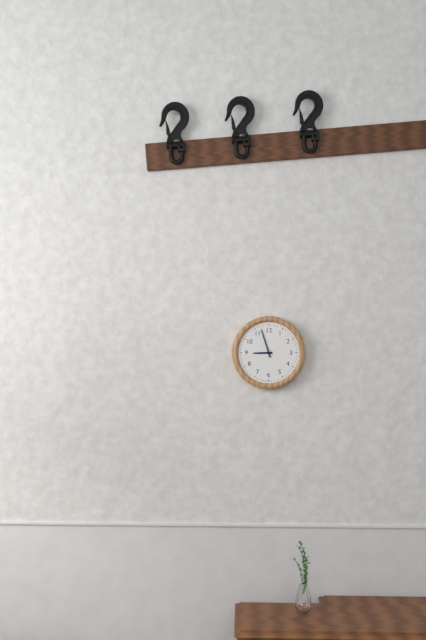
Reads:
h=8 m=57
